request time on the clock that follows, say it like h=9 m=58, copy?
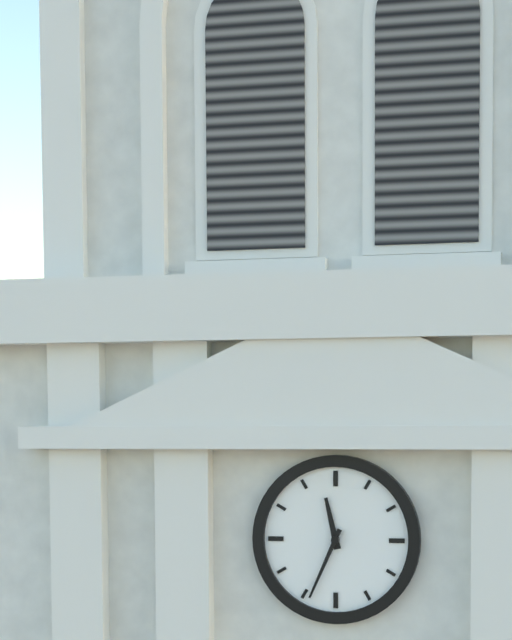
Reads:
h=11 m=34
